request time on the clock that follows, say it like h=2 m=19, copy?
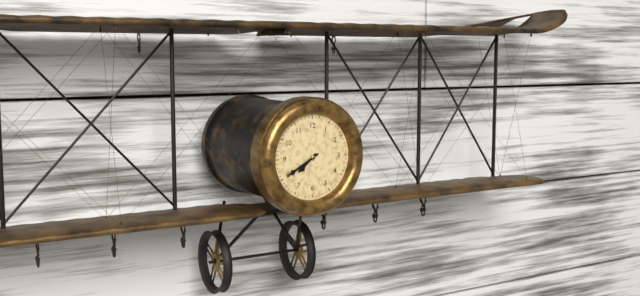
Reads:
h=7 m=40
